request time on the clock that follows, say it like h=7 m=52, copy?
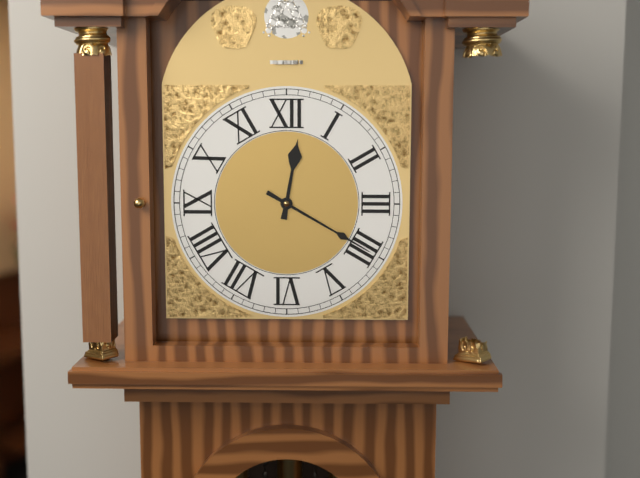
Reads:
h=12 m=20
